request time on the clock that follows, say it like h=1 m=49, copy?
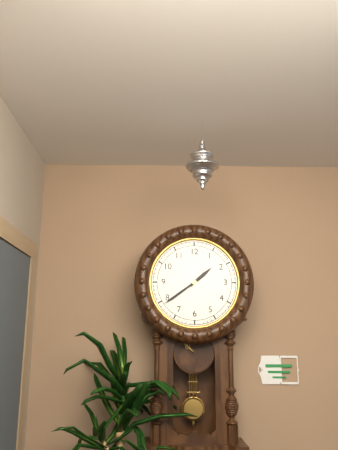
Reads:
h=1 m=39
